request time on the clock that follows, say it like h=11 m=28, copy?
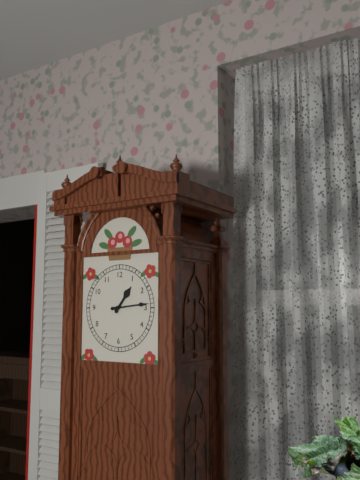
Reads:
h=1 m=14
